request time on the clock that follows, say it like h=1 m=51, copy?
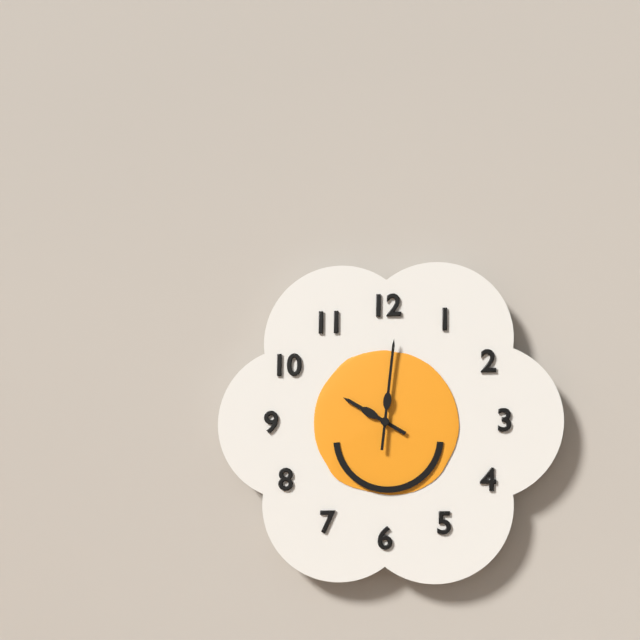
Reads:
h=10 m=1
